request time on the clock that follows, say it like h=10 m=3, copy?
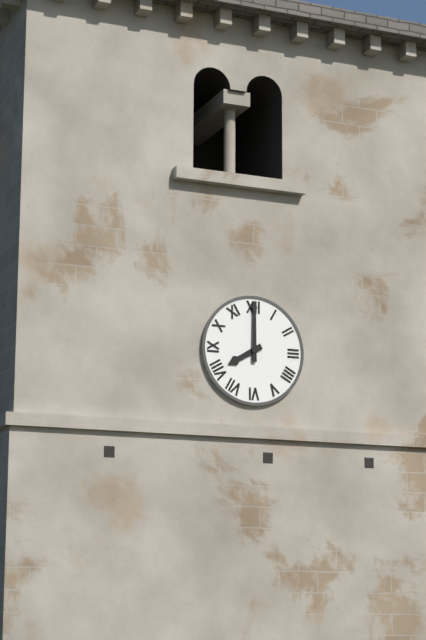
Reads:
h=8 m=0
